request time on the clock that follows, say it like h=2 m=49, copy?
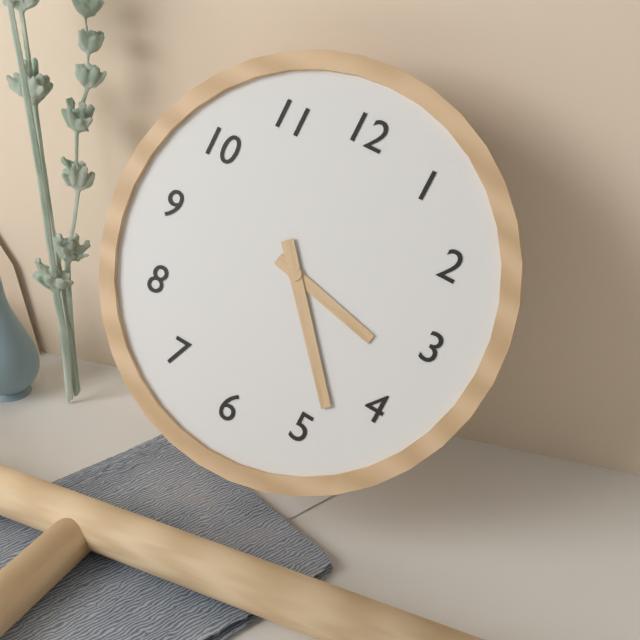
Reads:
h=3 m=23
